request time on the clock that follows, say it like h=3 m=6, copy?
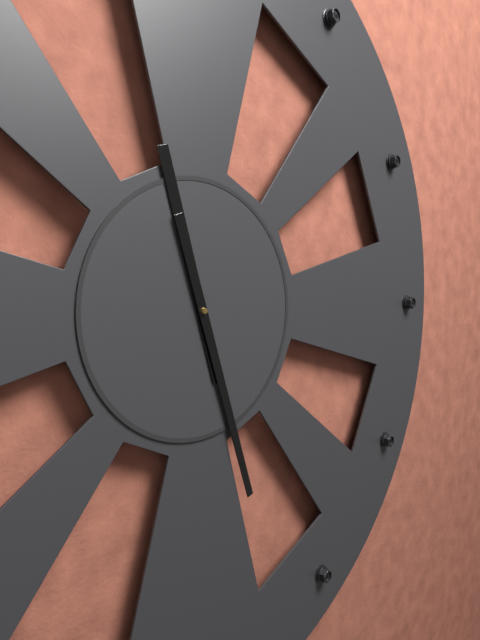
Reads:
h=11 m=27
